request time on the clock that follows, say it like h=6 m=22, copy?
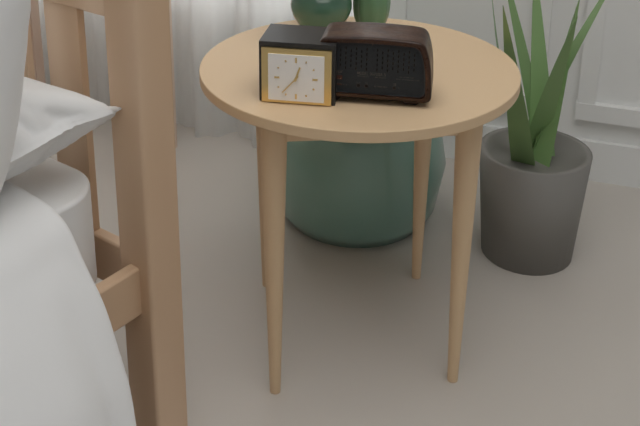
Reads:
h=12 m=37
